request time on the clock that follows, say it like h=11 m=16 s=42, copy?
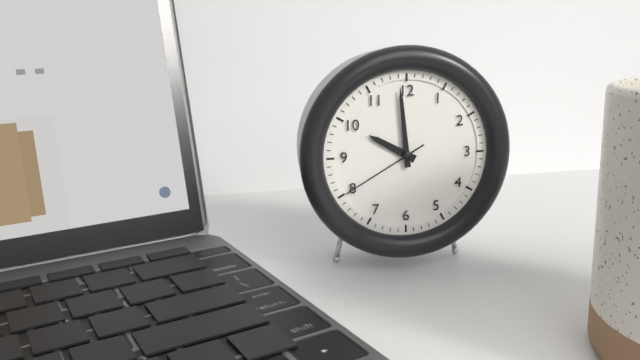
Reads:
h=9 m=59 s=40
